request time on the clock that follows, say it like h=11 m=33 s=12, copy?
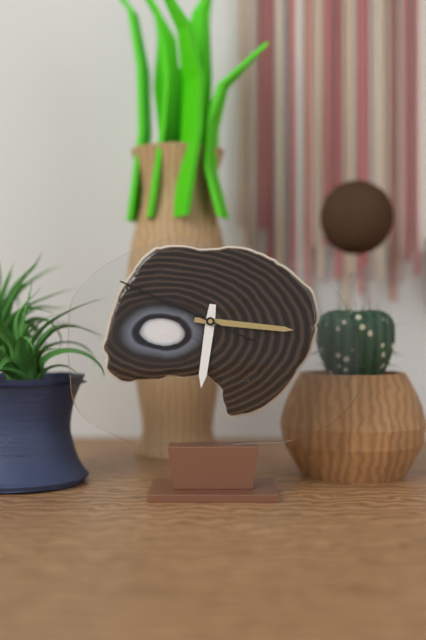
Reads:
h=6 m=16 s=49
